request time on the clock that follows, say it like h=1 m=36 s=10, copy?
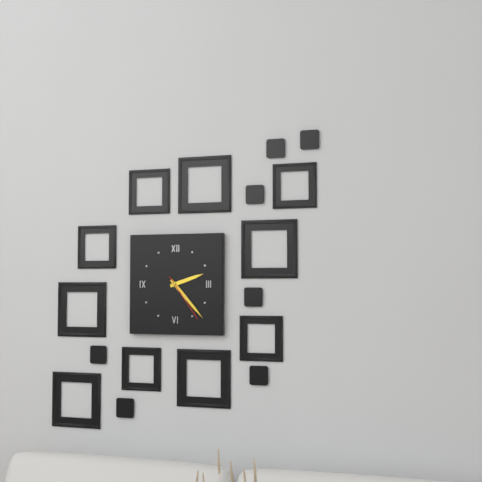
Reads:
h=2 m=23 s=24
